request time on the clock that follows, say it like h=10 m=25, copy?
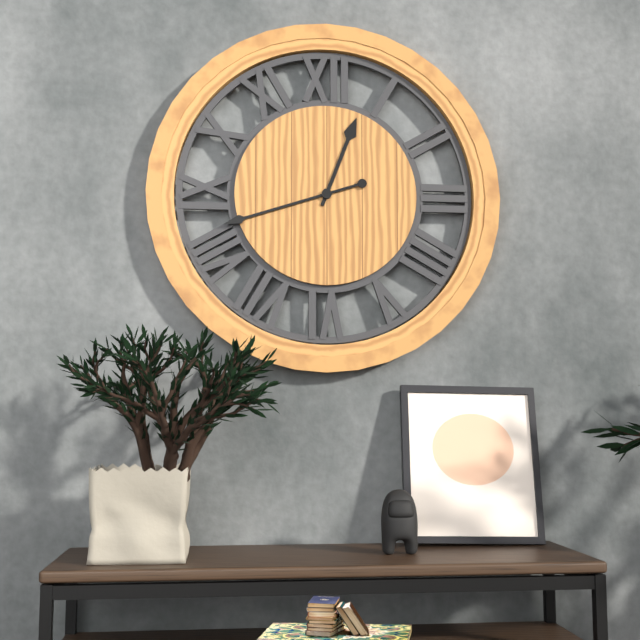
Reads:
h=12 m=42
